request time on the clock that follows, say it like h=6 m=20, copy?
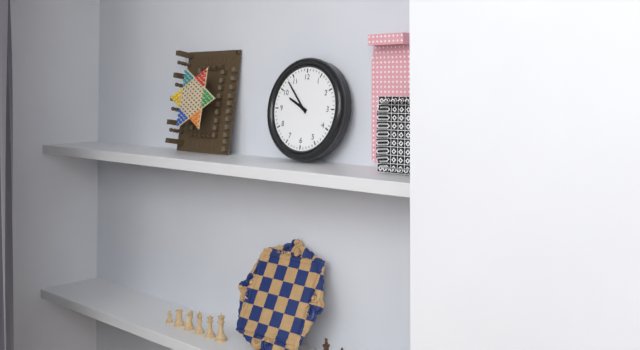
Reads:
h=9 m=53
